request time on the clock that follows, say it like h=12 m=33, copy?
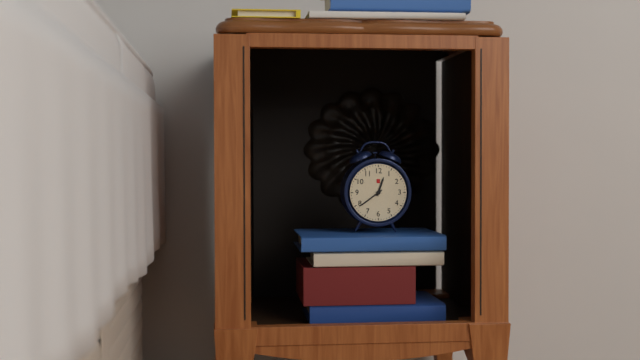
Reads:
h=12 m=39
